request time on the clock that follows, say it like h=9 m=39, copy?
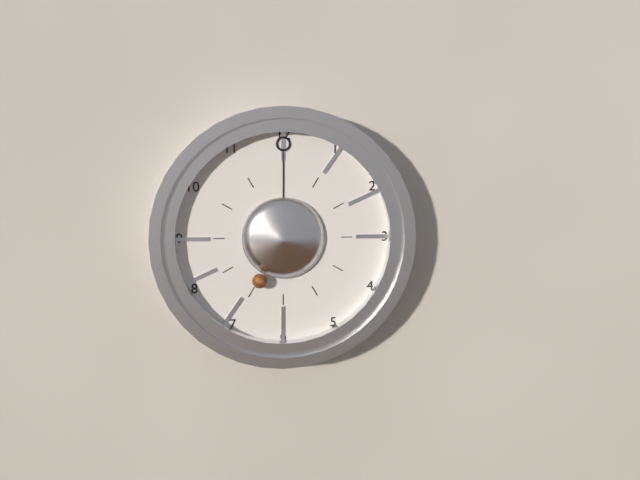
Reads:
h=7 m=0
